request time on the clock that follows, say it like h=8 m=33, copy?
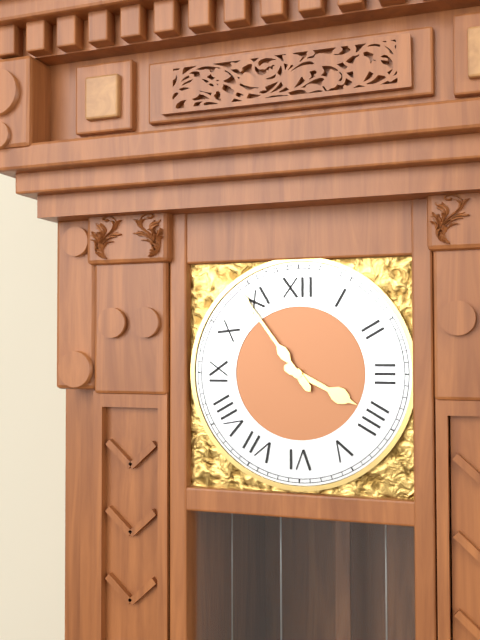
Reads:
h=3 m=54
